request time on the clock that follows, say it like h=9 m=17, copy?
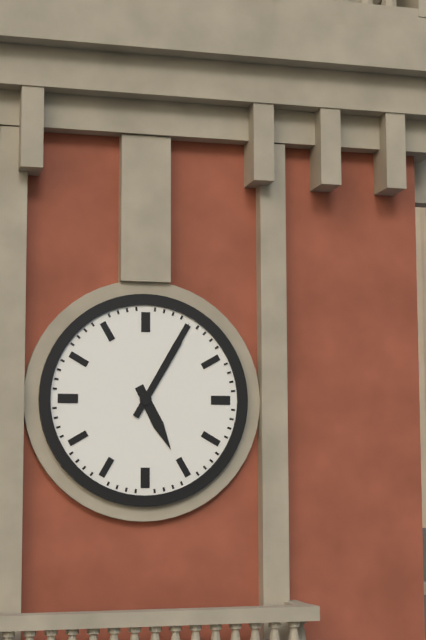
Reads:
h=5 m=5
